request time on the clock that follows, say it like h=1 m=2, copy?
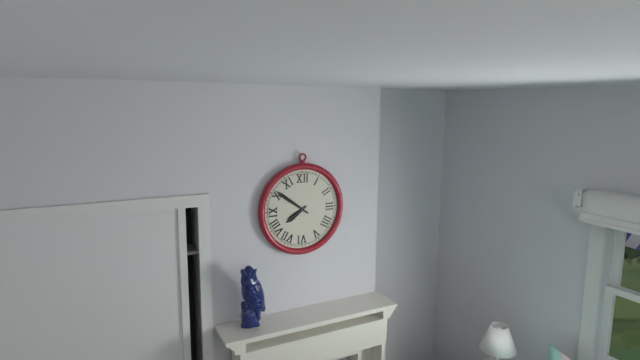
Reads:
h=7 m=51
